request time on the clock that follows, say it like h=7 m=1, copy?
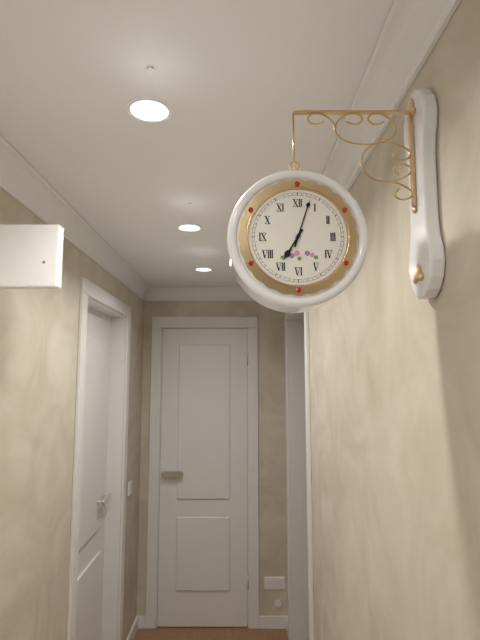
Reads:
h=7 m=3
